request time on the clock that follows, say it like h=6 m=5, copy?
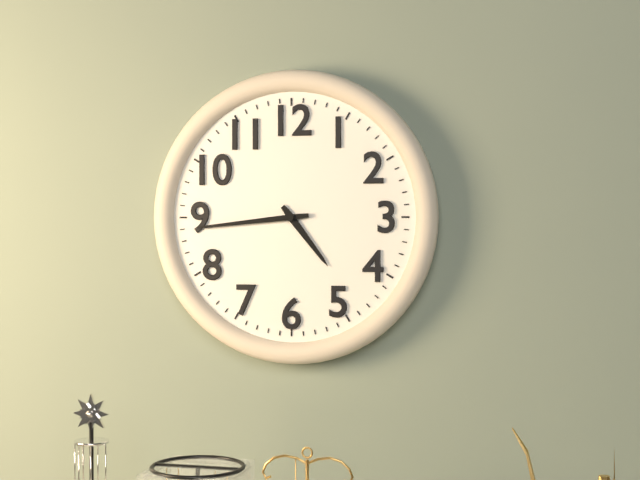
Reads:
h=4 m=44
